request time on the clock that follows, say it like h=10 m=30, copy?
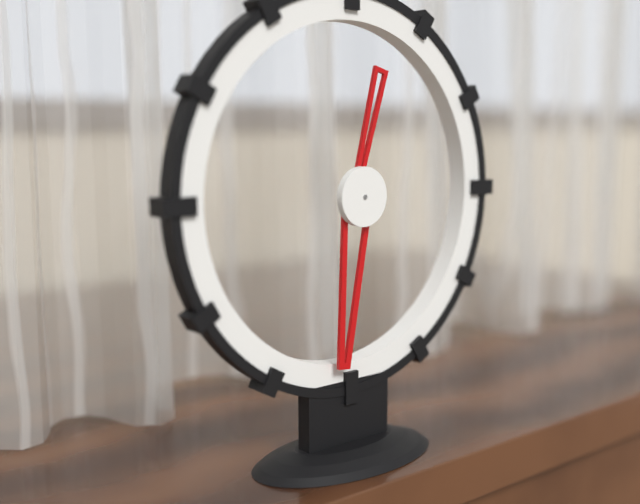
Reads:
h=12 m=31
